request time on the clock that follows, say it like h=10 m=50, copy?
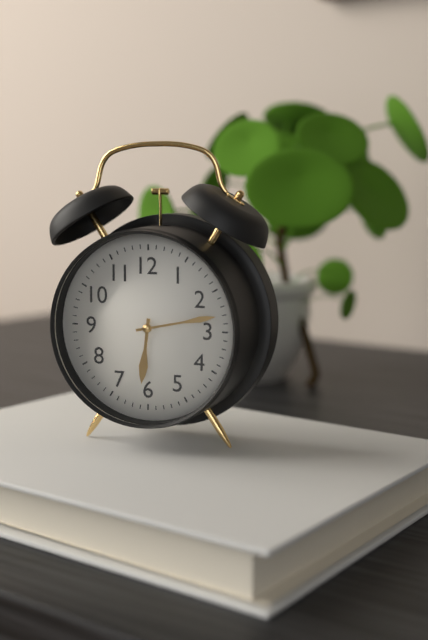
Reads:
h=6 m=13
